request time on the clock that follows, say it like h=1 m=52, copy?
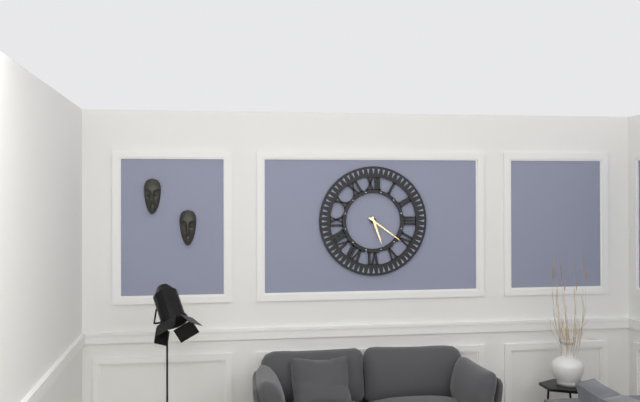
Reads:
h=5 m=21
